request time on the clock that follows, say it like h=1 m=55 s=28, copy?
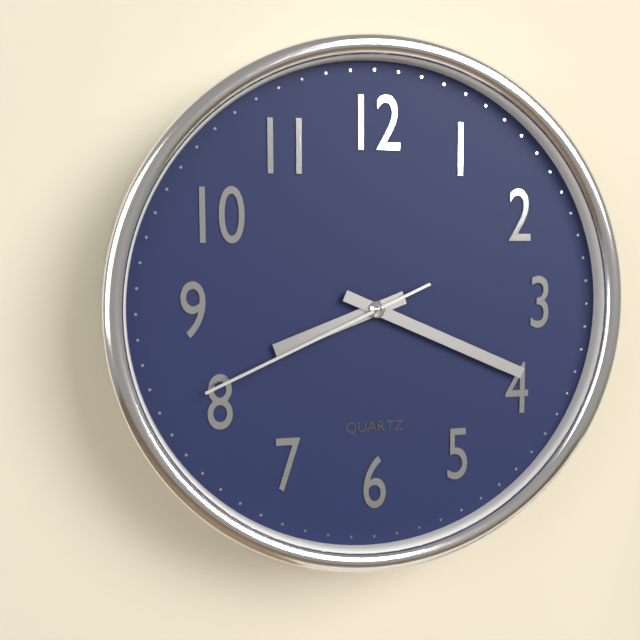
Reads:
h=8 m=19 s=41
